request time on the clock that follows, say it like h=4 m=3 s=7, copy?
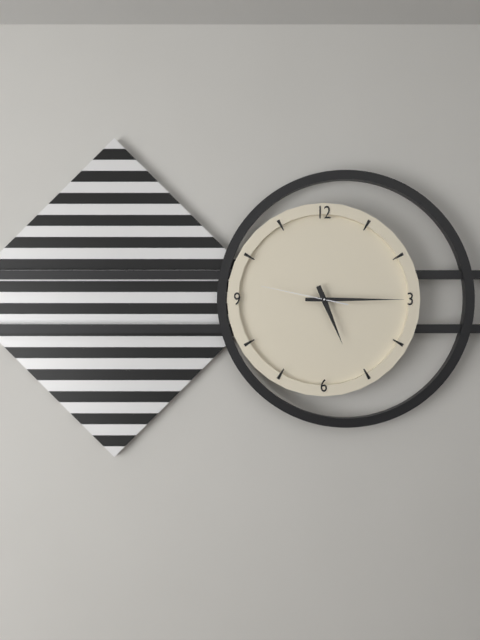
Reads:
h=5 m=15 s=47
